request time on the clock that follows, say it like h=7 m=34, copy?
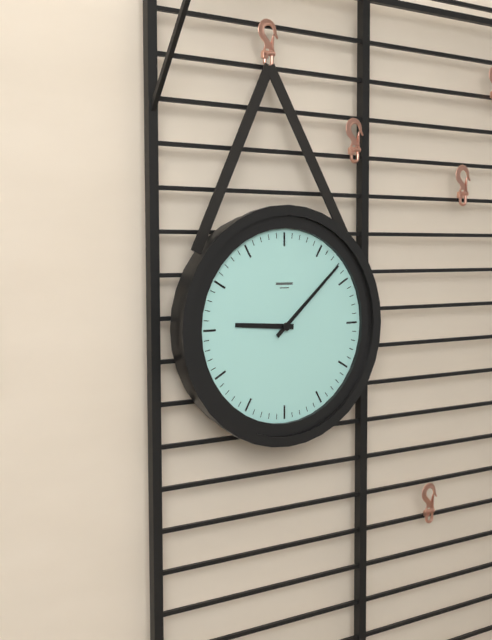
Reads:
h=9 m=8
